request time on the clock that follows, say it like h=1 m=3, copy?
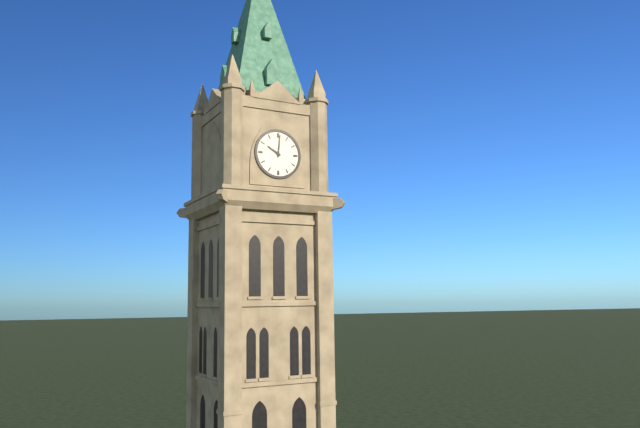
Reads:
h=10 m=1
